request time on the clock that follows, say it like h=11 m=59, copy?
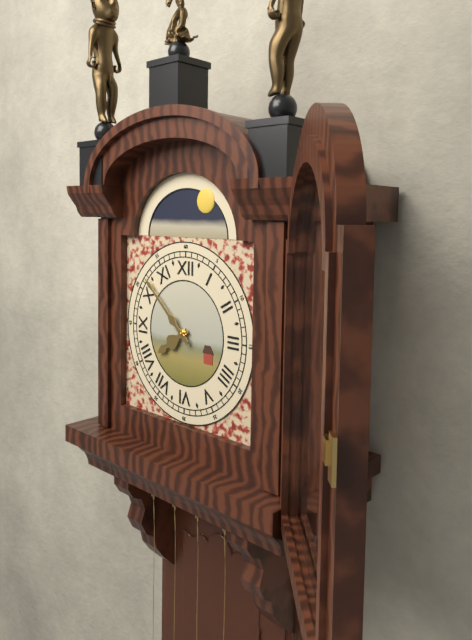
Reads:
h=7 m=52
